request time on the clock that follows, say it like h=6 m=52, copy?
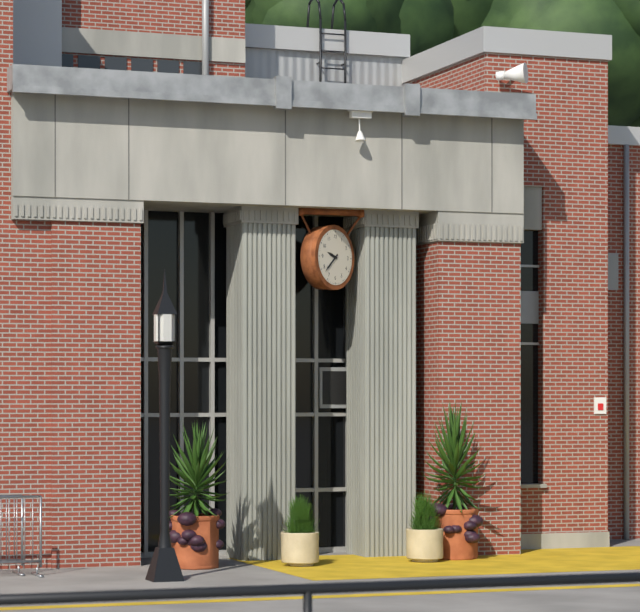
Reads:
h=9 m=38
